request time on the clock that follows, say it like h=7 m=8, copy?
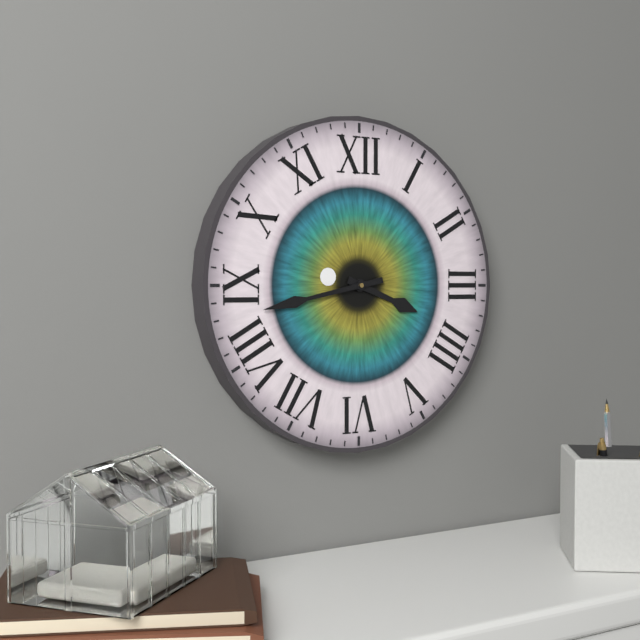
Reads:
h=3 m=43
